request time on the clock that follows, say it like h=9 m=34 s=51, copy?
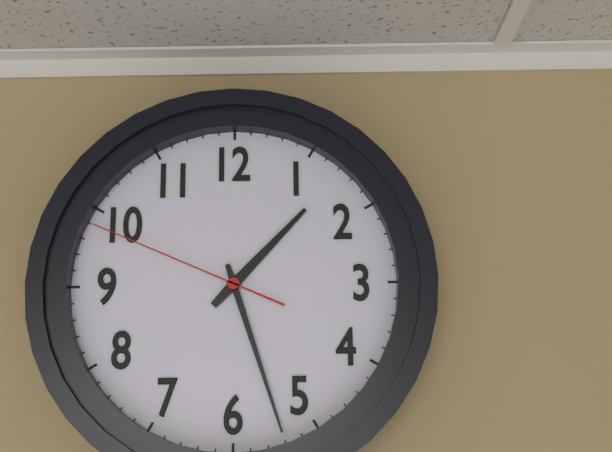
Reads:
h=1 m=27 s=49
